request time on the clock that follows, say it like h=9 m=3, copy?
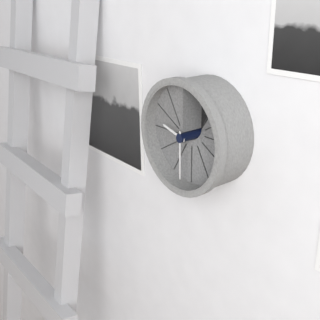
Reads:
h=9 m=30
